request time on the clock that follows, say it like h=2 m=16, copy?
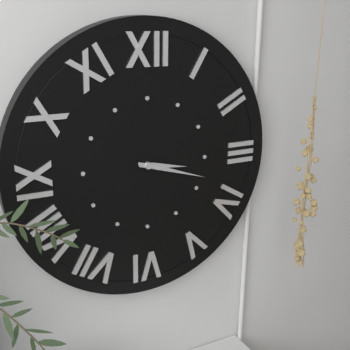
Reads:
h=3 m=18
